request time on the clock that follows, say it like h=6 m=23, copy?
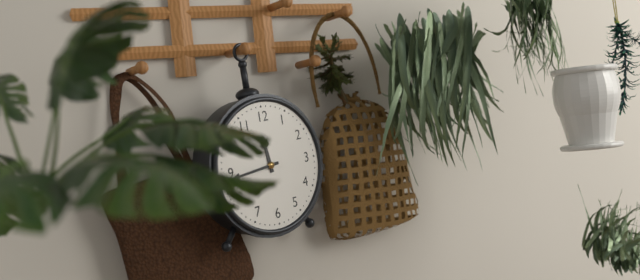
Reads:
h=11 m=44
